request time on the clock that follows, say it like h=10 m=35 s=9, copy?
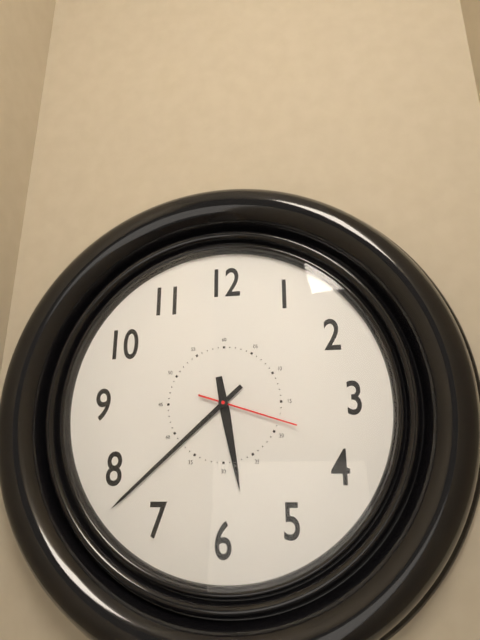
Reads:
h=5 m=38 s=18
